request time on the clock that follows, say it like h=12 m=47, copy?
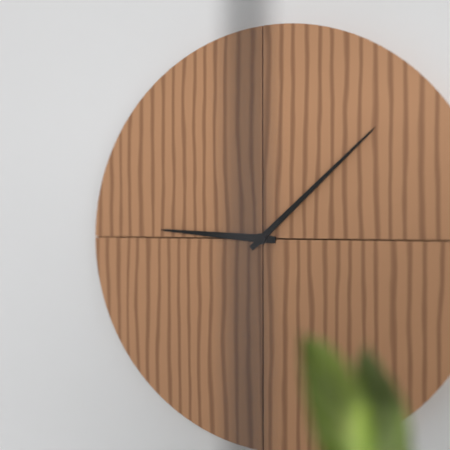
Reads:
h=9 m=8
